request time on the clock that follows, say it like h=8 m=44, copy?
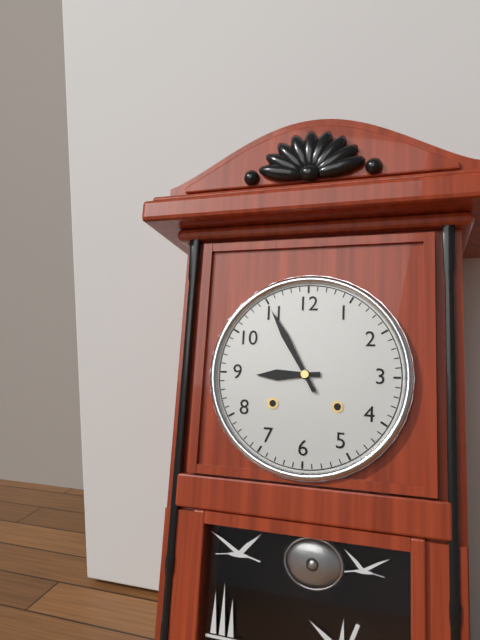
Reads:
h=8 m=55
